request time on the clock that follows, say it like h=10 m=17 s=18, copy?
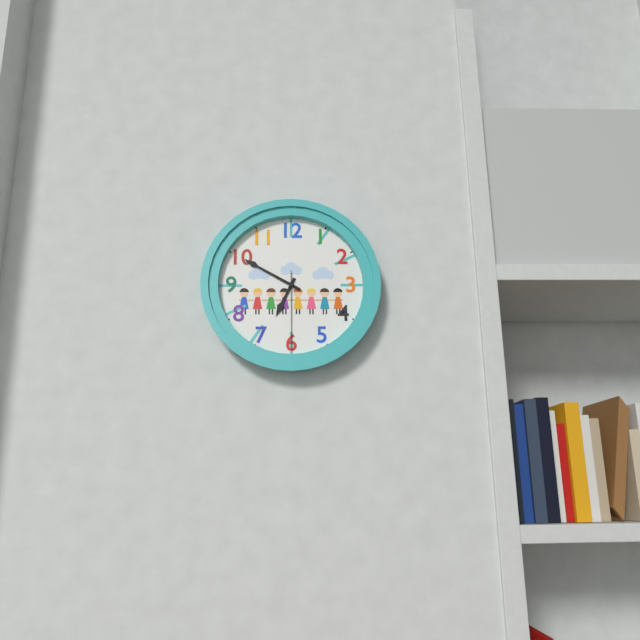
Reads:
h=6 m=50 s=30
